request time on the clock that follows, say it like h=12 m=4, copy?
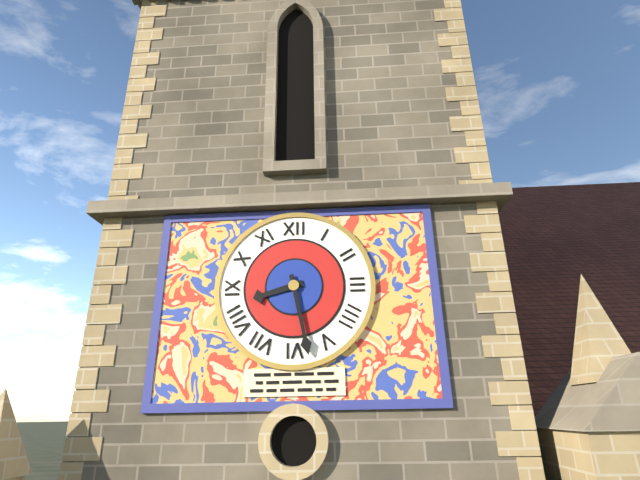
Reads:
h=8 m=28
